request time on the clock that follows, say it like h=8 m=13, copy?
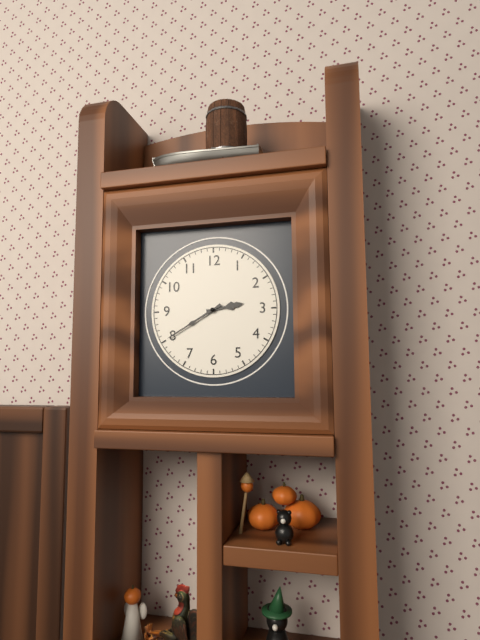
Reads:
h=2 m=40
